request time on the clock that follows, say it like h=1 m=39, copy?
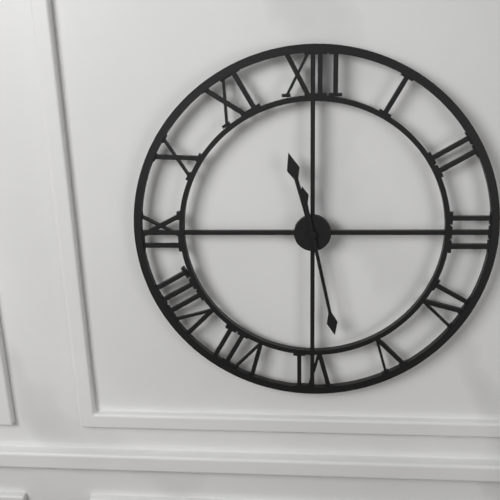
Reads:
h=11 m=28
